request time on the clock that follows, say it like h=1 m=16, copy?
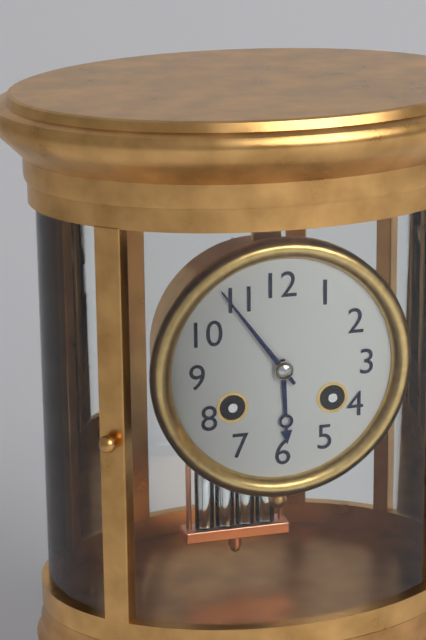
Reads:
h=5 m=54
